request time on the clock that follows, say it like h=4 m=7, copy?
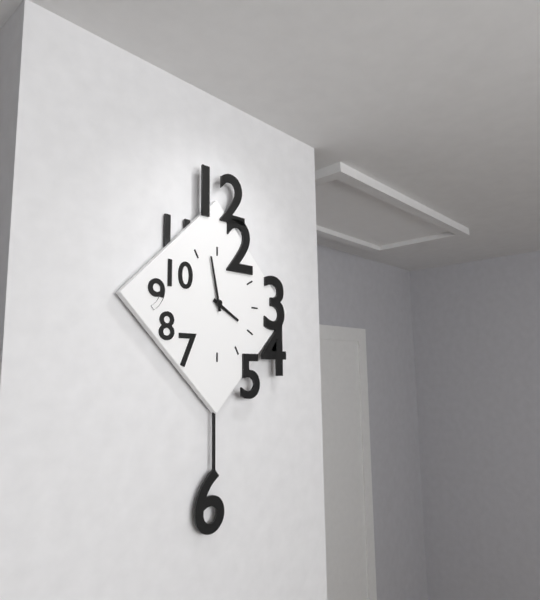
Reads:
h=3 m=58
